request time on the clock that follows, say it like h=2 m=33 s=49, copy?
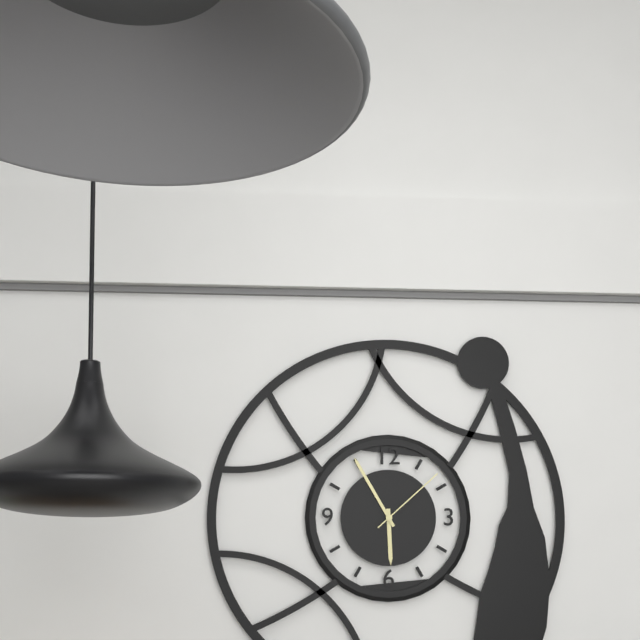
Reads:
h=5 m=55 s=8
